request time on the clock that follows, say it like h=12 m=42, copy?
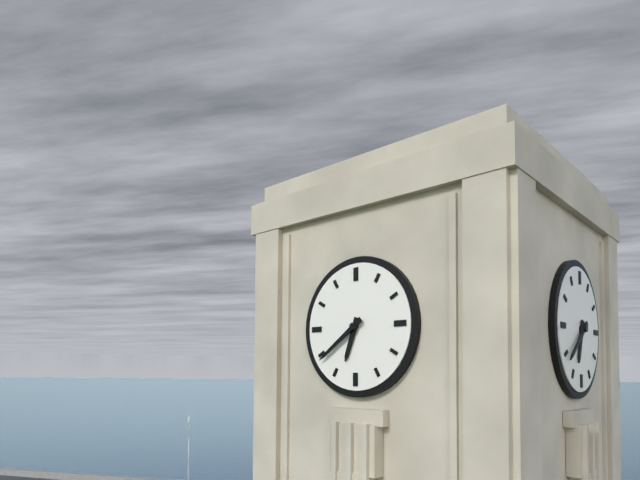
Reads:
h=6 m=39
